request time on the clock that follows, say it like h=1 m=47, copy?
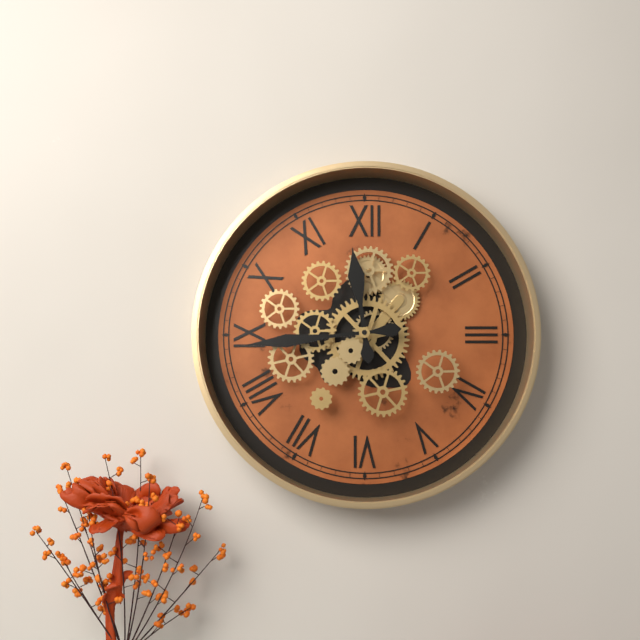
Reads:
h=11 m=44
